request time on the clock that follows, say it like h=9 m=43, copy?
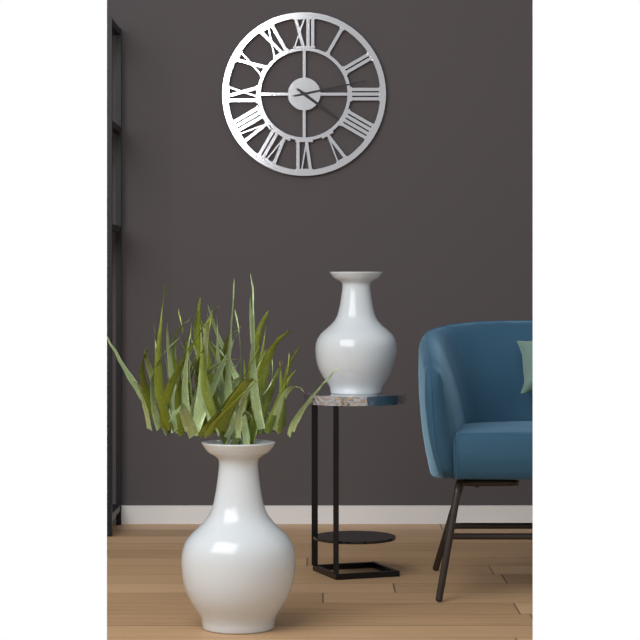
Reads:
h=4 m=13
